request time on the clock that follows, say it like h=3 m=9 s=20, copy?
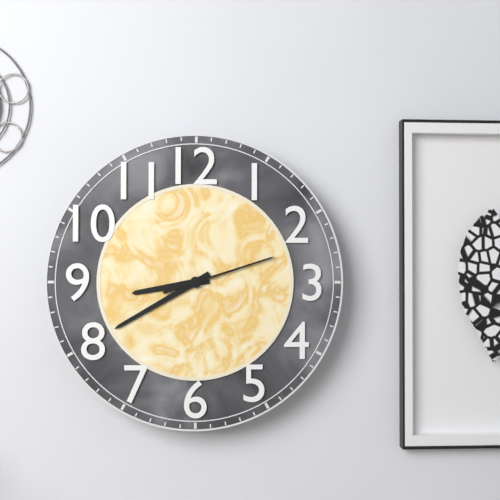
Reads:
h=8 m=40 s=12
